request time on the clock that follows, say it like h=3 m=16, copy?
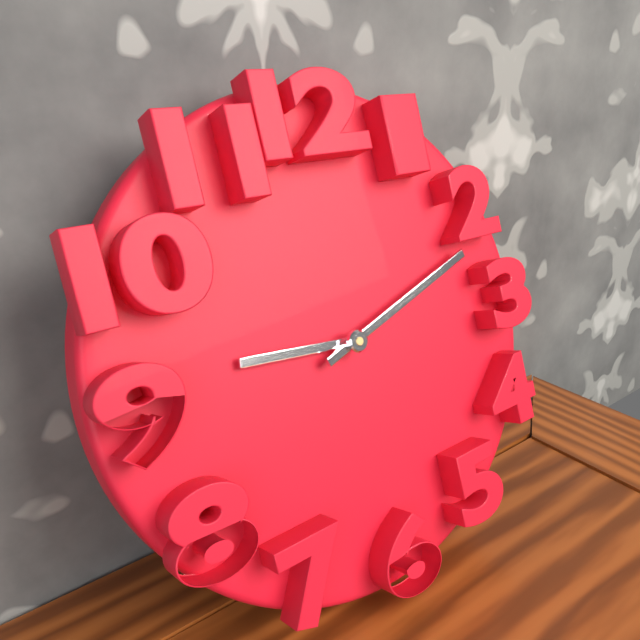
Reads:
h=9 m=12
